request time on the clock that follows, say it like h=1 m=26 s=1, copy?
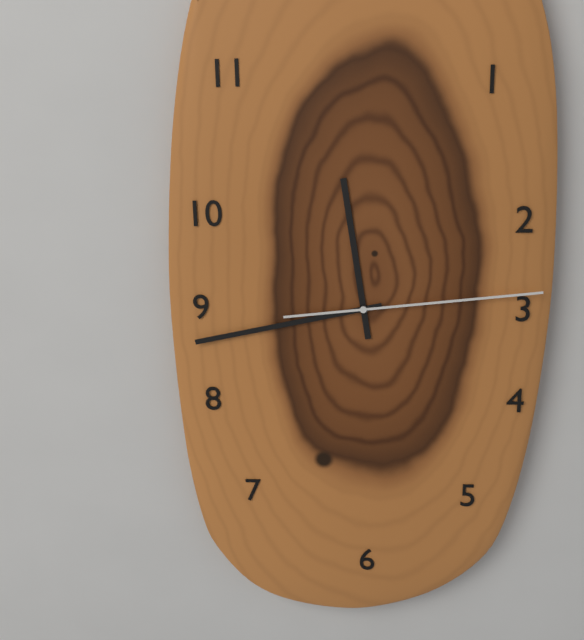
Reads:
h=11 m=43 s=14
